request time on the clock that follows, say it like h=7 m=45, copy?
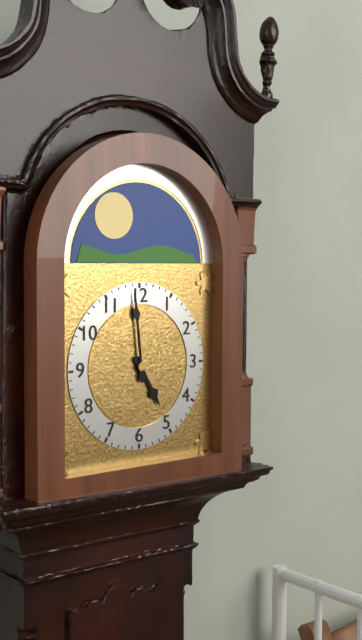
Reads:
h=4 m=59
